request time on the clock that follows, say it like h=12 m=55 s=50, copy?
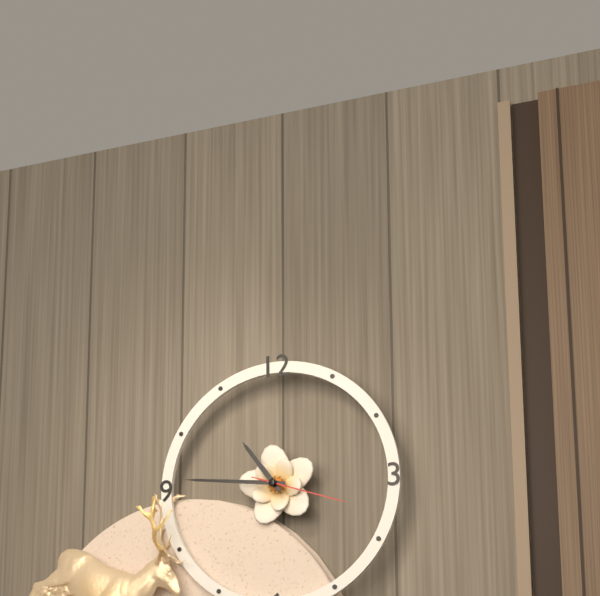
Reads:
h=10 m=46 s=18
